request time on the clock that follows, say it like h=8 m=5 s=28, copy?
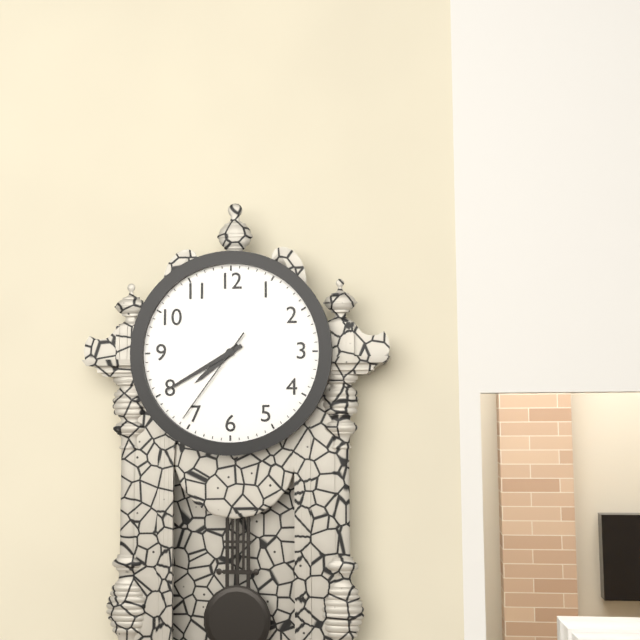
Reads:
h=7 m=40 s=36
